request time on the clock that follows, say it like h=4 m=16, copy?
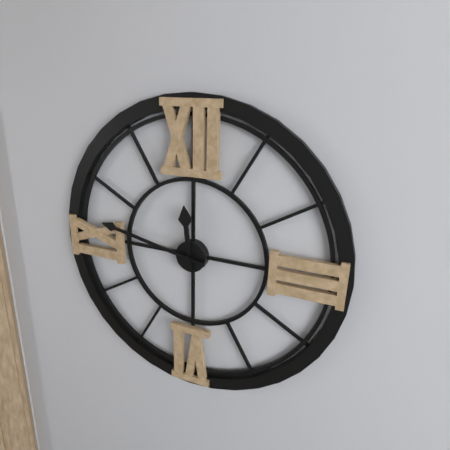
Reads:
h=11 m=47
